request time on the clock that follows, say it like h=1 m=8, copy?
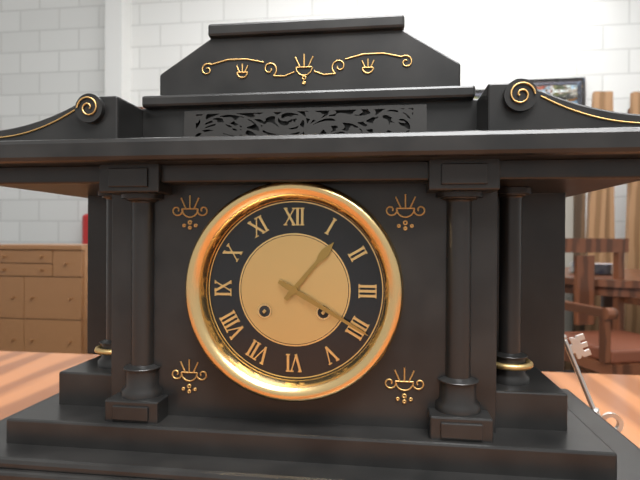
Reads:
h=1 m=20
